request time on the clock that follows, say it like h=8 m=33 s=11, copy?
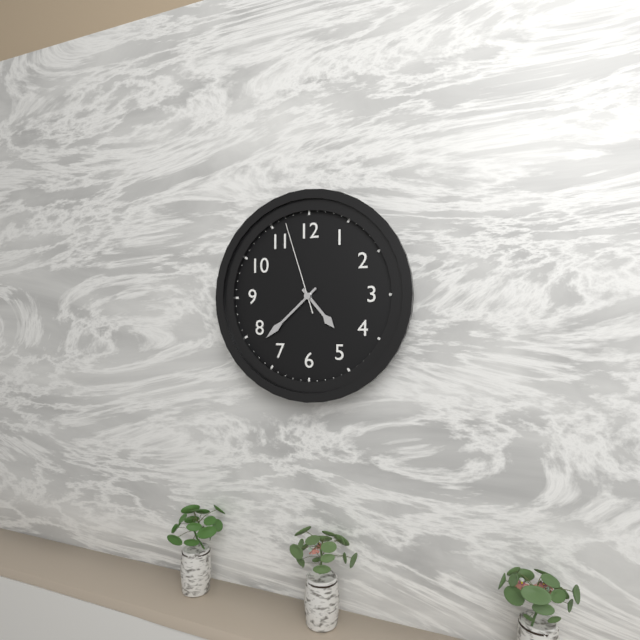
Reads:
h=4 m=38 s=57
